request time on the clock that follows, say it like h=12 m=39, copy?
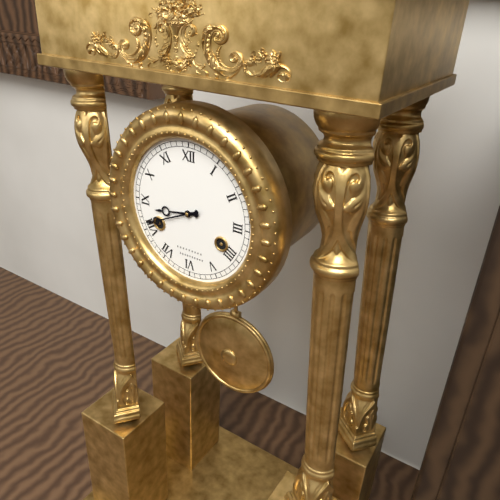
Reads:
h=8 m=41
